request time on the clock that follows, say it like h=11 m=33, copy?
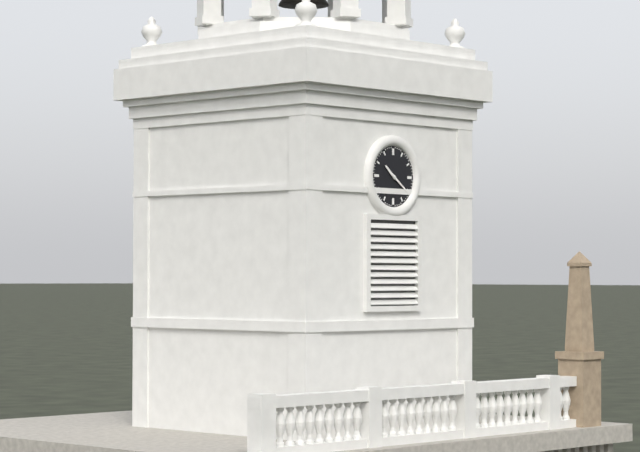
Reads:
h=10 m=21
